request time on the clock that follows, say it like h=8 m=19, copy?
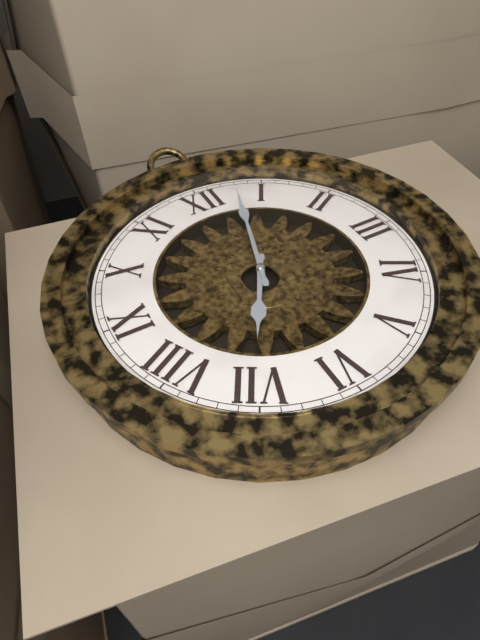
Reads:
h=7 m=3
